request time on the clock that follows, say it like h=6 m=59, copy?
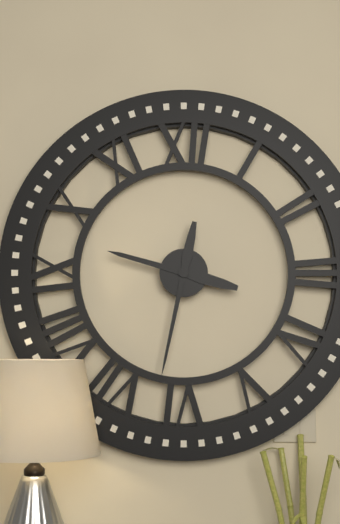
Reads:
h=9 m=32
